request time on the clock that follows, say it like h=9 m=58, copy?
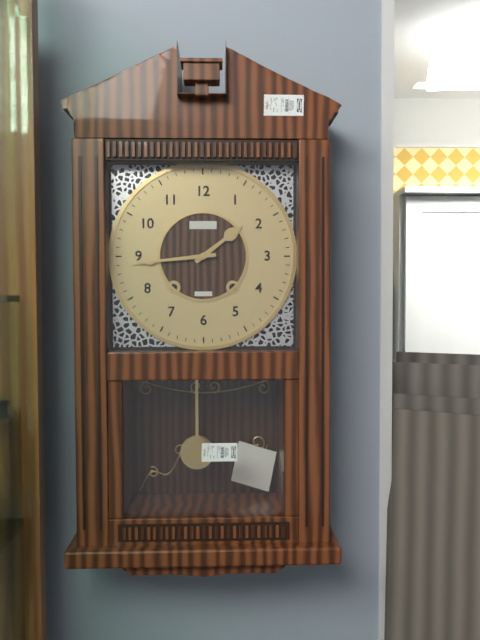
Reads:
h=1 m=44
